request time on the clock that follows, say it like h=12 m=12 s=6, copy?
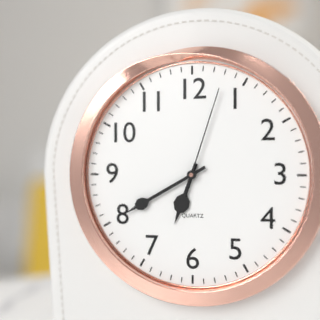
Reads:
h=6 m=40 s=3
